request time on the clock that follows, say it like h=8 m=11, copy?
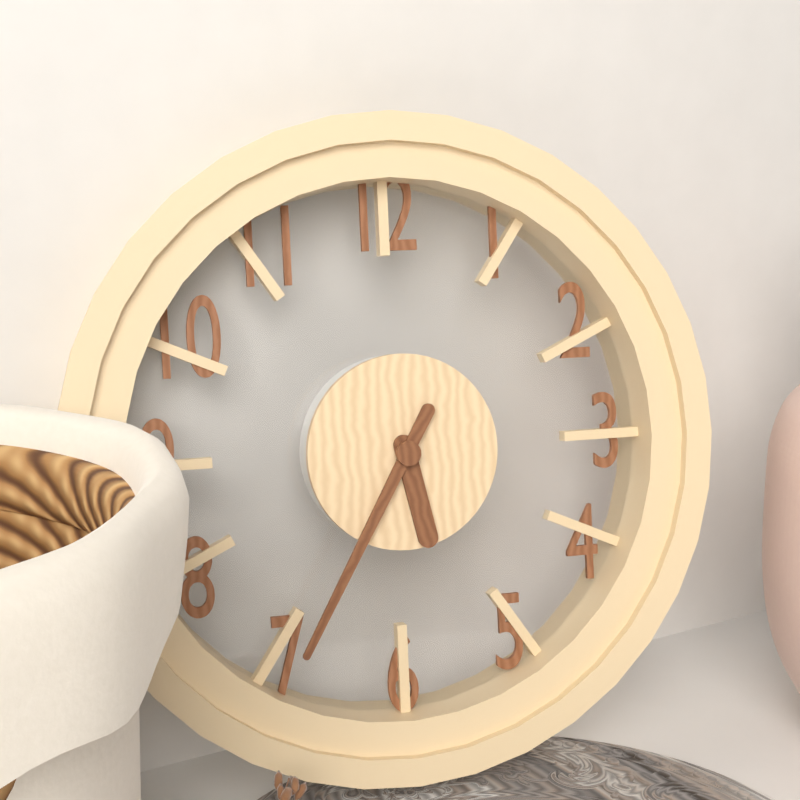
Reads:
h=5 m=35
